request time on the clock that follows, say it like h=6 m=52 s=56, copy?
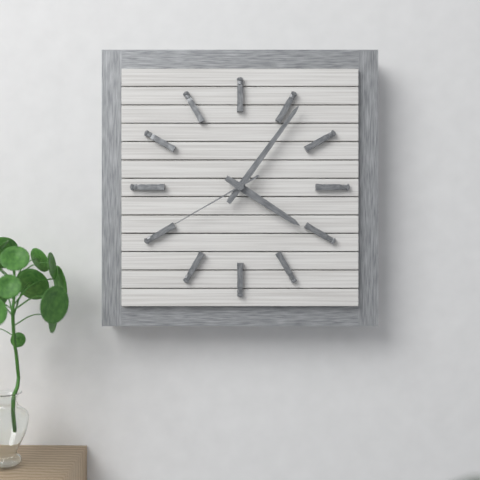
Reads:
h=4 m=6 s=40
